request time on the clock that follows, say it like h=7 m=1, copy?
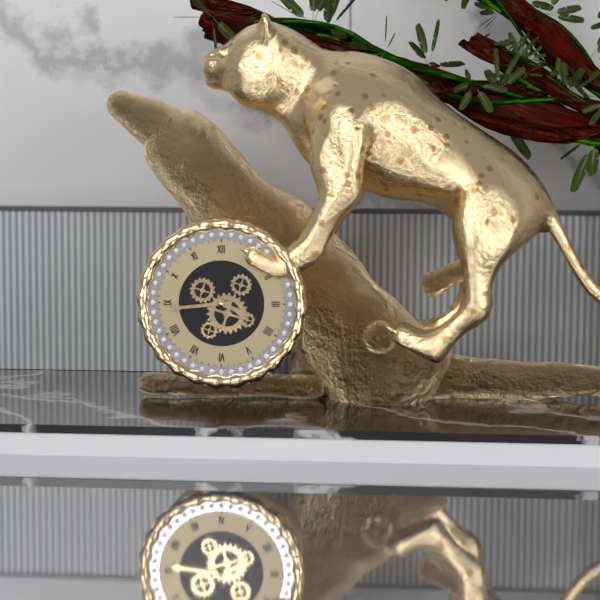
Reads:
h=3 m=44
